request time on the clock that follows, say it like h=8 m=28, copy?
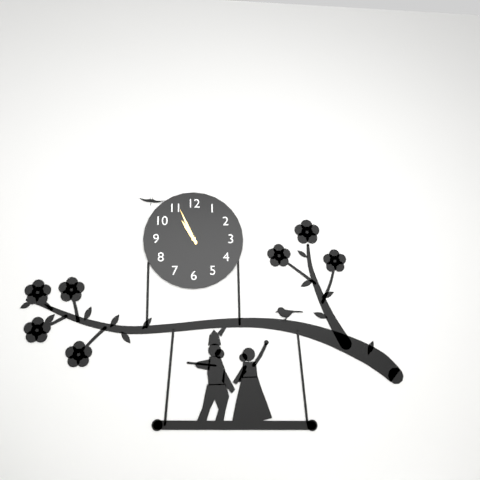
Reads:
h=10 m=56
